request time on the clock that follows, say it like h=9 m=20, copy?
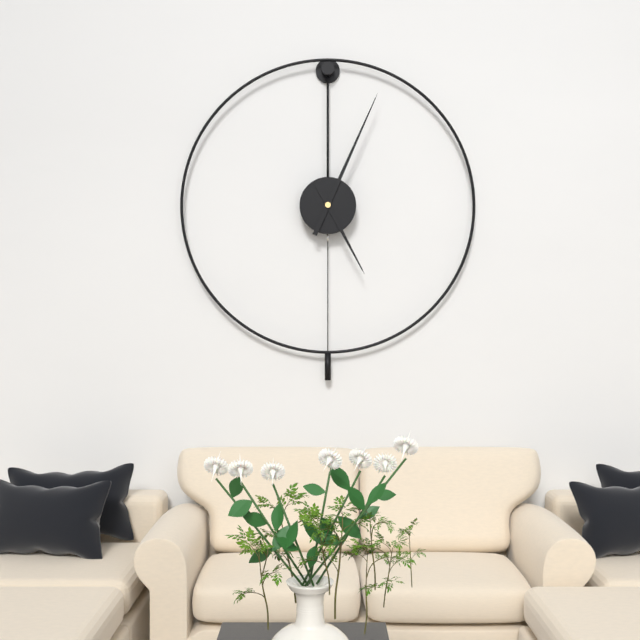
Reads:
h=5 m=4
